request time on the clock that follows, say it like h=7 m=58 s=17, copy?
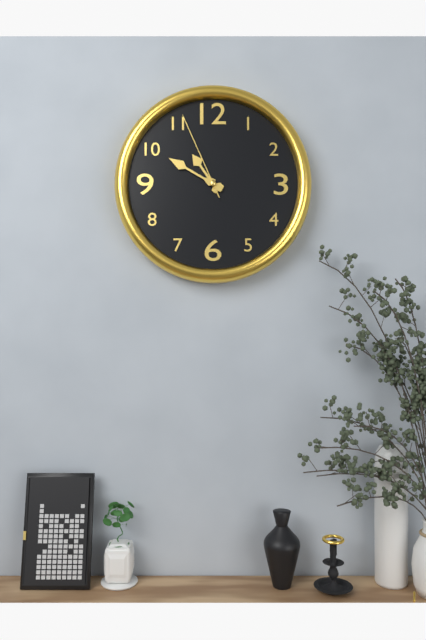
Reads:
h=10 m=50 s=56
